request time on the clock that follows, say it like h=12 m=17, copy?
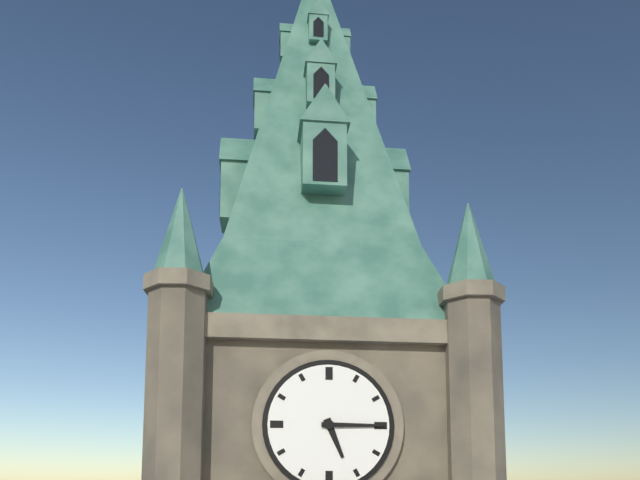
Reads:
h=5 m=15
